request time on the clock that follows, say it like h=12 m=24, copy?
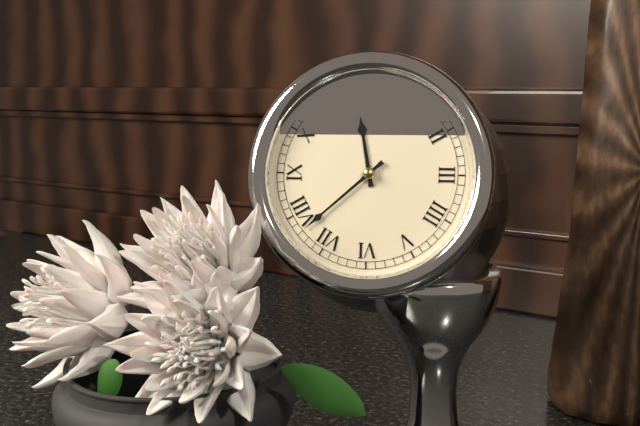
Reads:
h=11 m=38
